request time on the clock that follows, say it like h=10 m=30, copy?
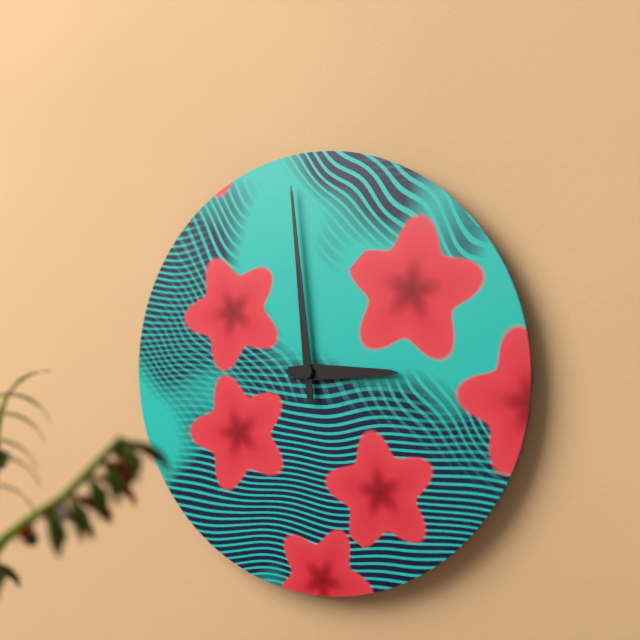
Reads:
h=2 m=59
